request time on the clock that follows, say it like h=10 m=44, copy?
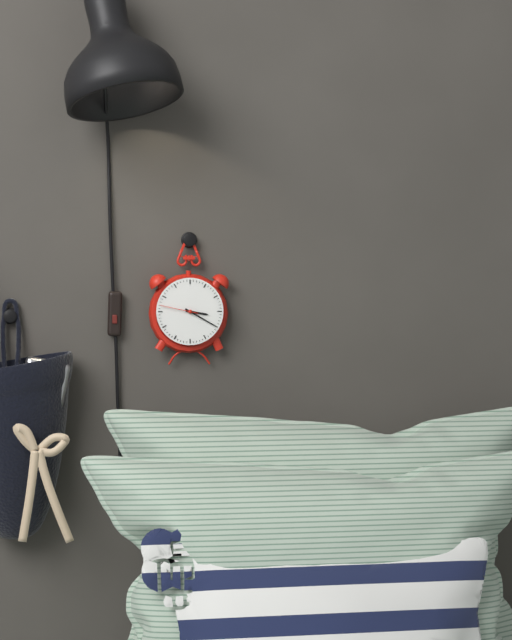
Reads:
h=3 m=20
